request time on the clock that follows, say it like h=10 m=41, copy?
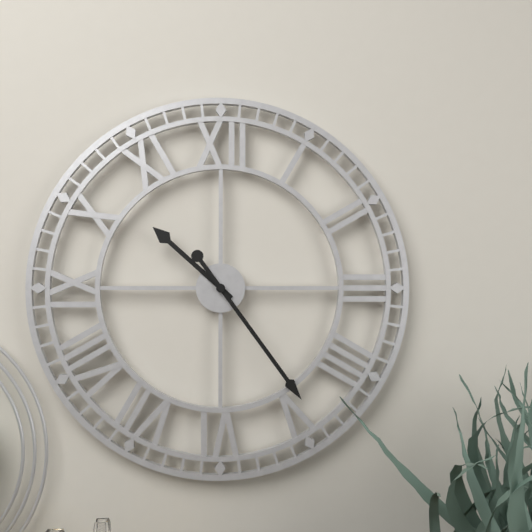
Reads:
h=10 m=24
